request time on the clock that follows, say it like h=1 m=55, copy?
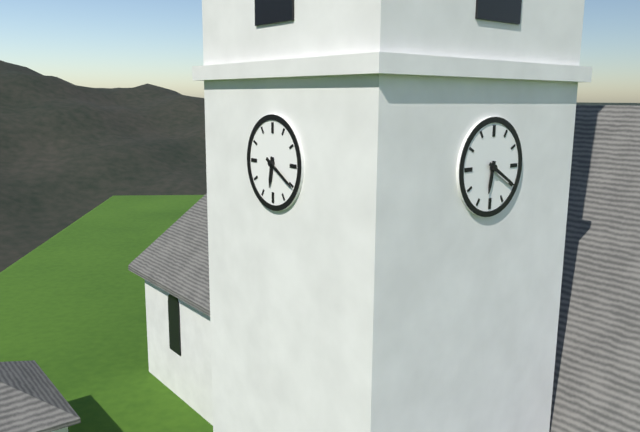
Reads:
h=6 m=20
